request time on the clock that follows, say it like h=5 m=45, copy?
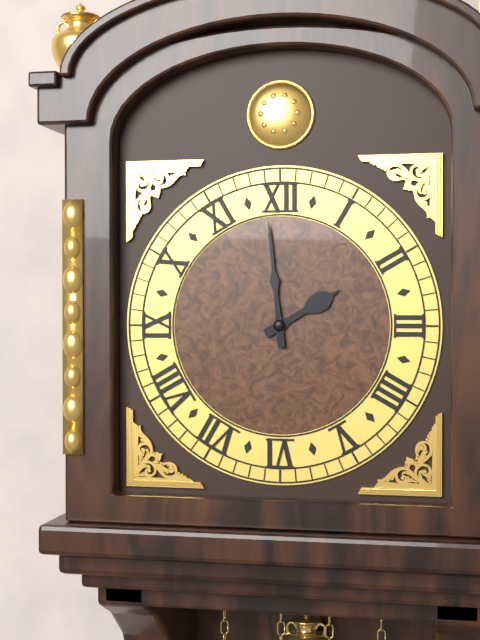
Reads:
h=1 m=59
